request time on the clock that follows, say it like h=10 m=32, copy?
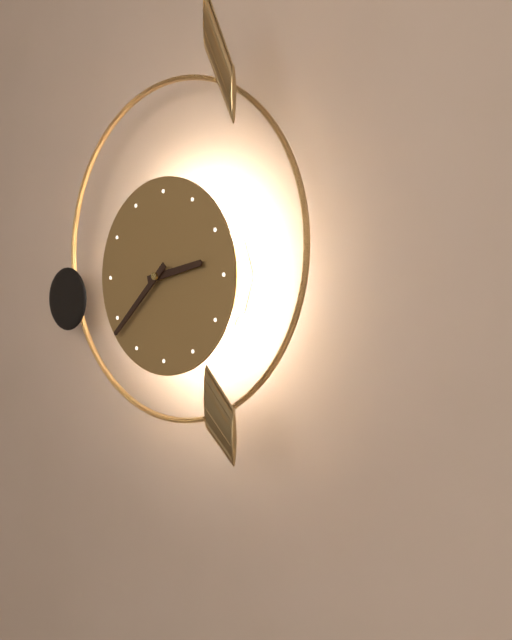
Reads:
h=2 m=38
